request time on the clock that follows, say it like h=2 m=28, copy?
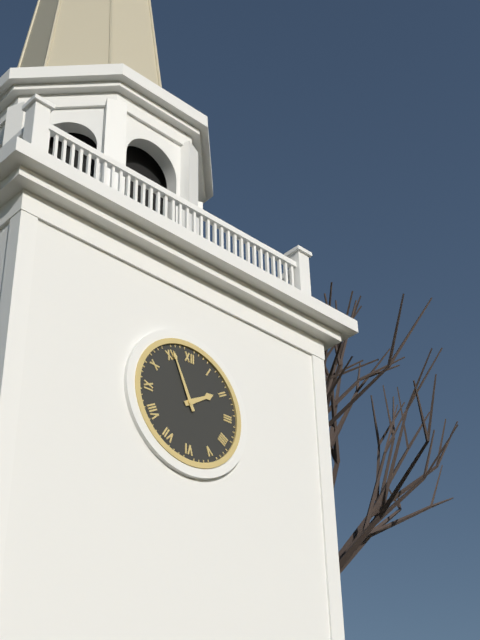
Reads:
h=1 m=56
